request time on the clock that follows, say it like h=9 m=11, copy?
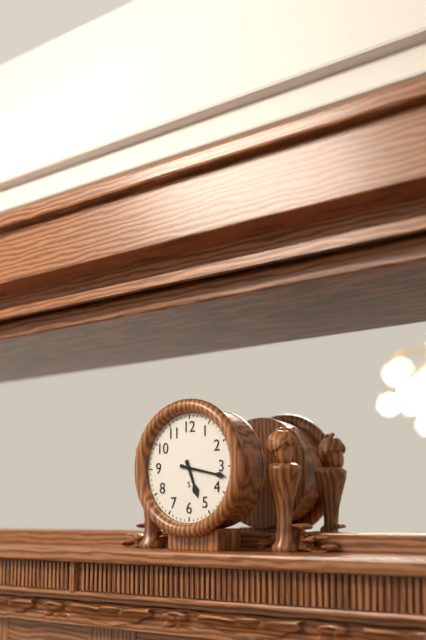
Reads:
h=5 m=17
